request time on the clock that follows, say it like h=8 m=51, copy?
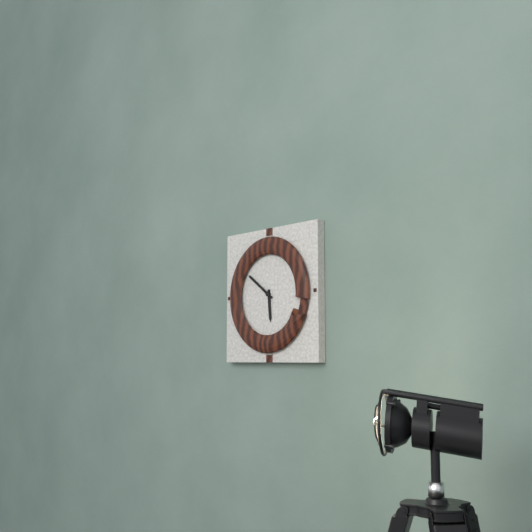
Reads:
h=5 m=51
